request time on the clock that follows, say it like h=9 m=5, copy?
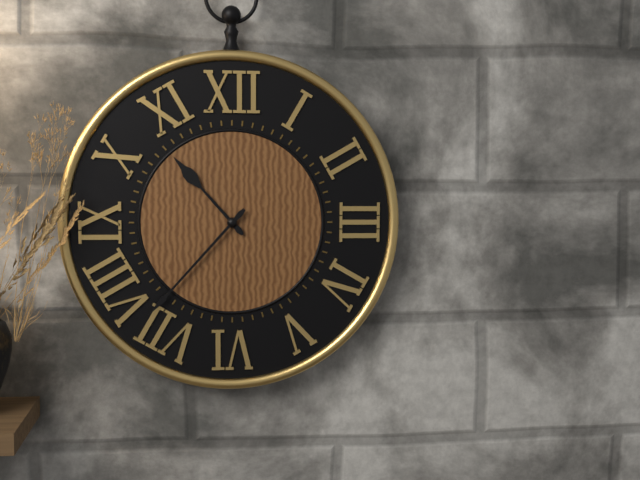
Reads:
h=10 m=37
